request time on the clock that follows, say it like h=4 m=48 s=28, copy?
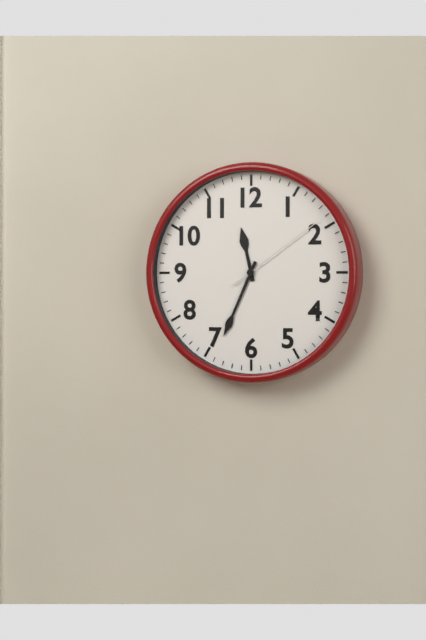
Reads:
h=11 m=34 s=9
